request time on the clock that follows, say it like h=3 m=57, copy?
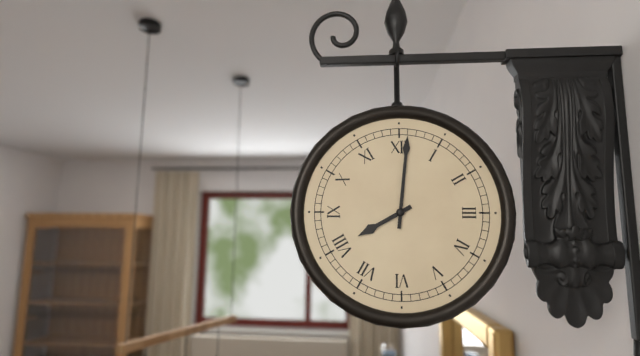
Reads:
h=8 m=1
